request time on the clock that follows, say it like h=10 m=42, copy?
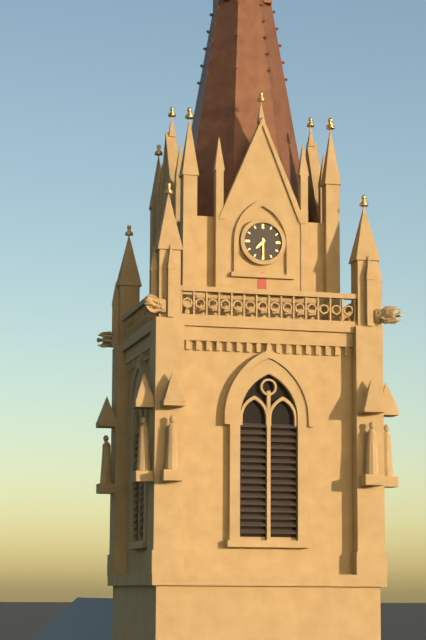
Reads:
h=7 m=30
